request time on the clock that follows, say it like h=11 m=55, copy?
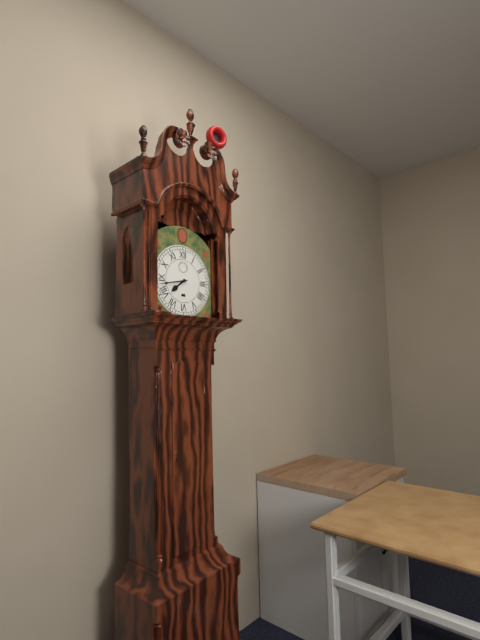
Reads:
h=7 m=43
